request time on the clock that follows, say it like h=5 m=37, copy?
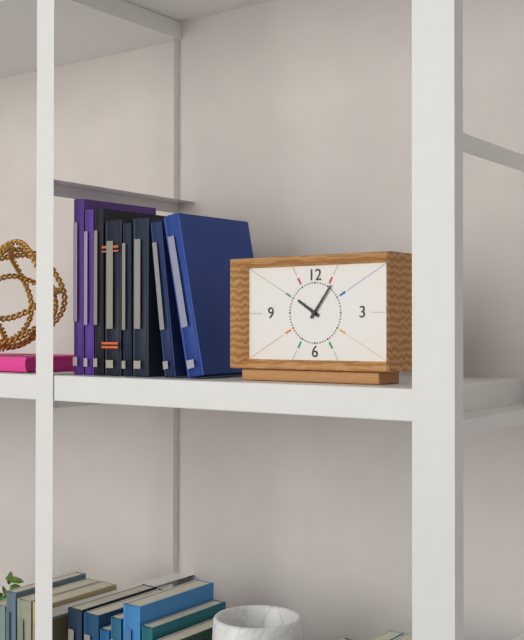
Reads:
h=10 m=6
